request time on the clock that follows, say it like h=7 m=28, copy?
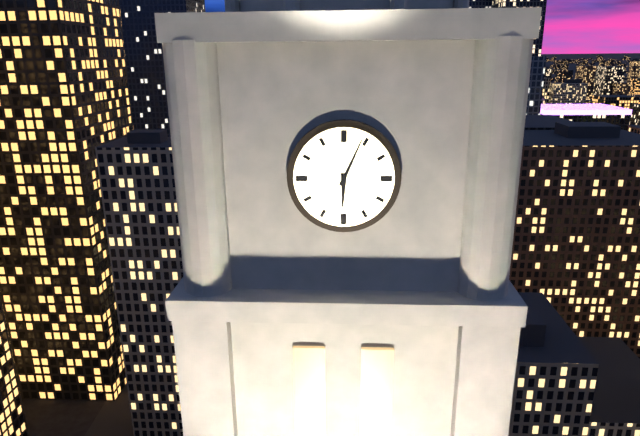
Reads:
h=6 m=4
